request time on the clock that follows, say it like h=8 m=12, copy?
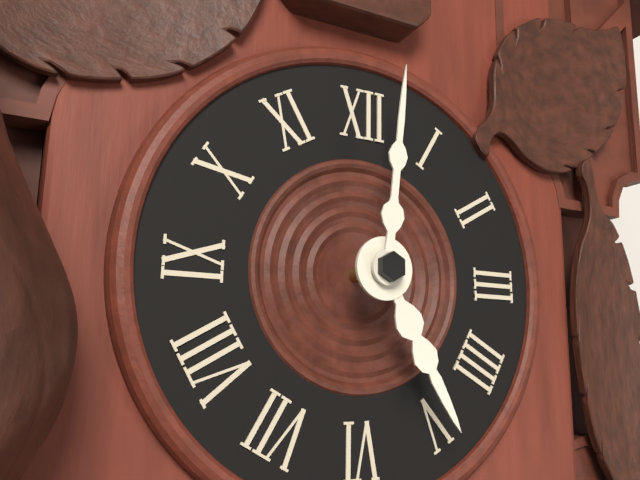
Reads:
h=5 m=1
